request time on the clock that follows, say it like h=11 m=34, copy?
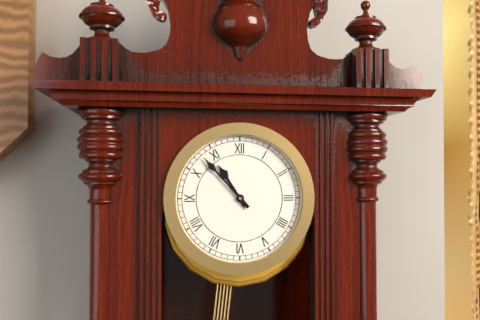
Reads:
h=10 m=53
